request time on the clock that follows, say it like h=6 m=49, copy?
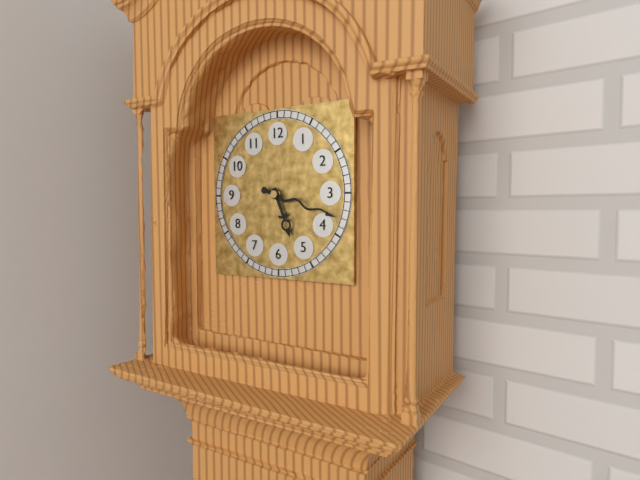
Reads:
h=5 m=18
